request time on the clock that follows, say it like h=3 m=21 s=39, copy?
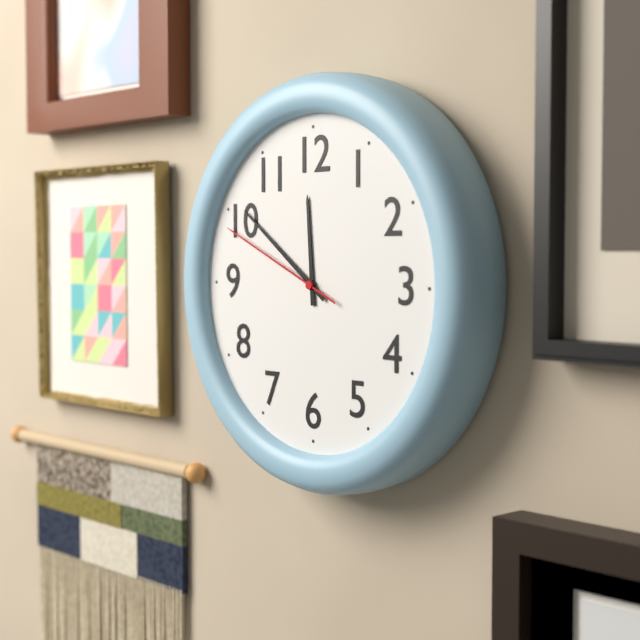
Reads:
h=11 m=51 s=49
